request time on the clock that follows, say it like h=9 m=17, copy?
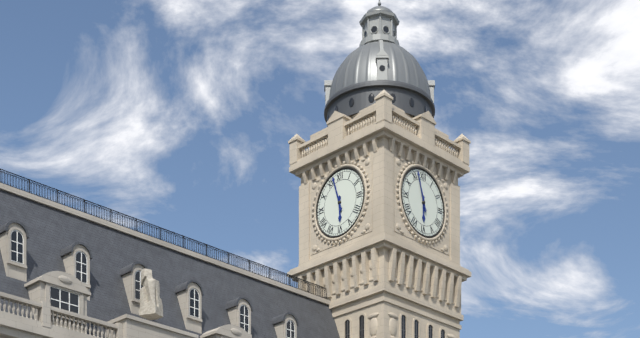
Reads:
h=5 m=57
